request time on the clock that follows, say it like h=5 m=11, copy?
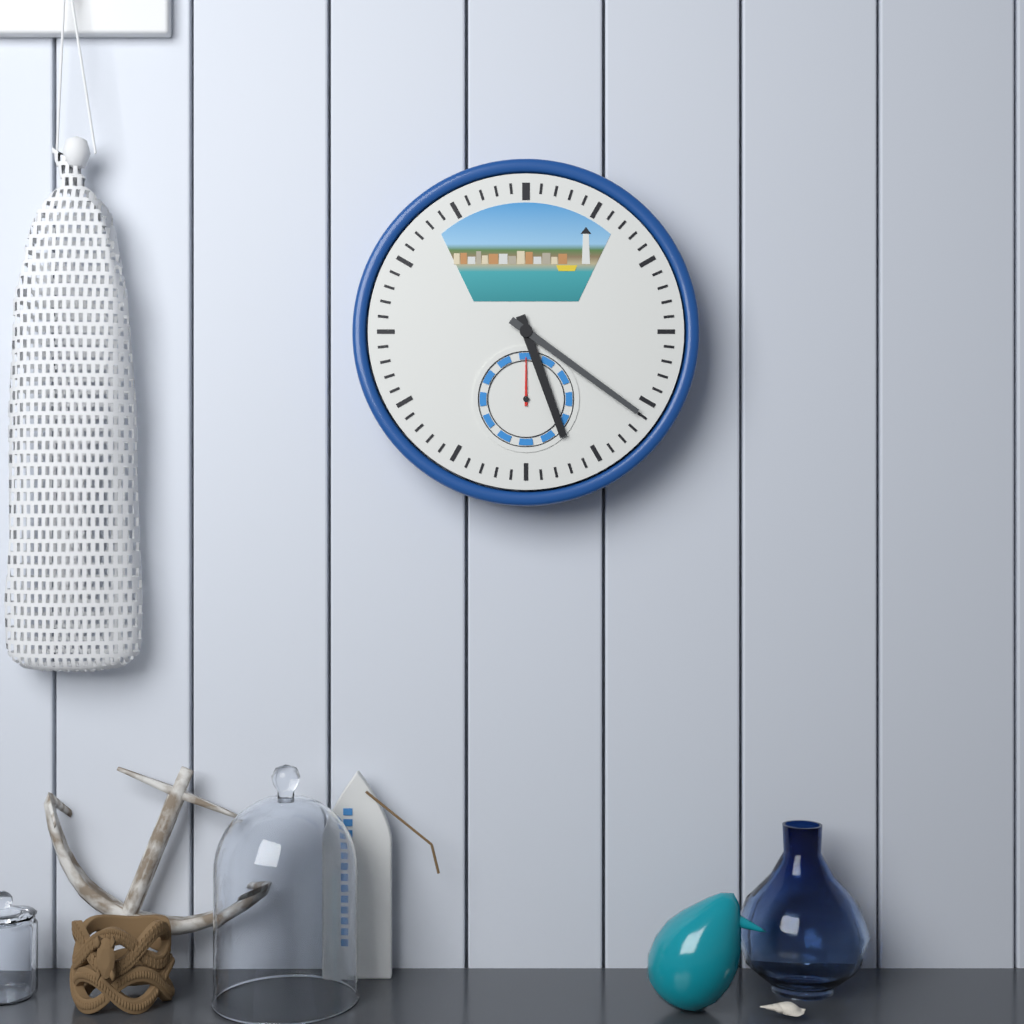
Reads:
h=5 m=21
